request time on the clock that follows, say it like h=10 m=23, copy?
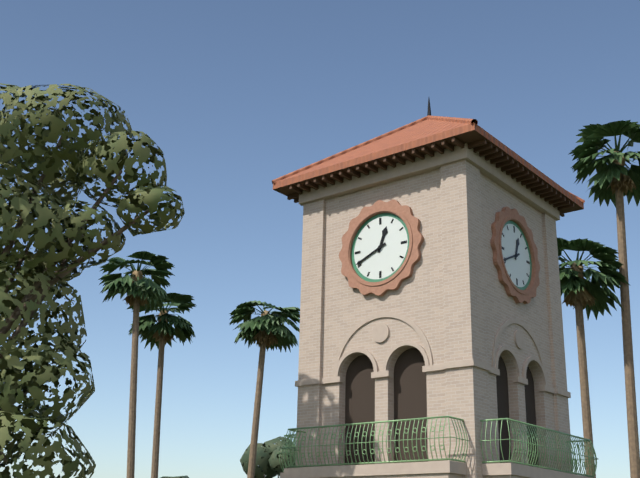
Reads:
h=12 m=41
